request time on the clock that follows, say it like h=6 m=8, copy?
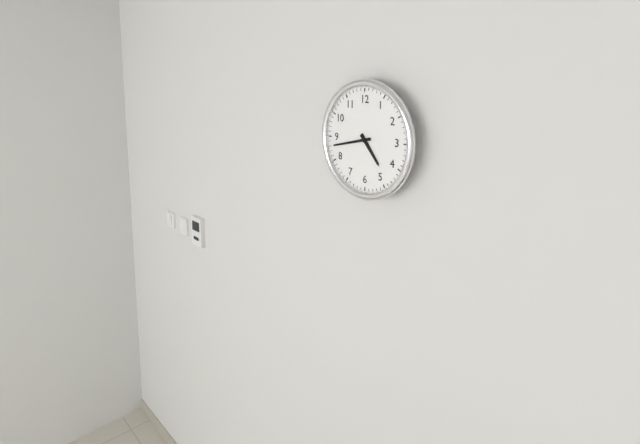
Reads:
h=4 m=43
